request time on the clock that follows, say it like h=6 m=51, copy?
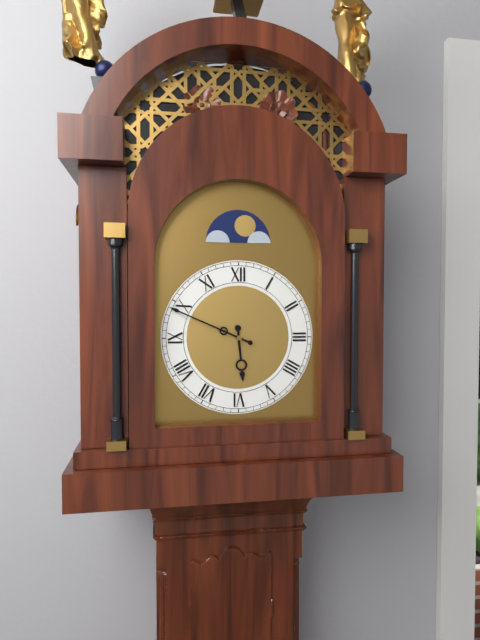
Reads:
h=5 m=49
